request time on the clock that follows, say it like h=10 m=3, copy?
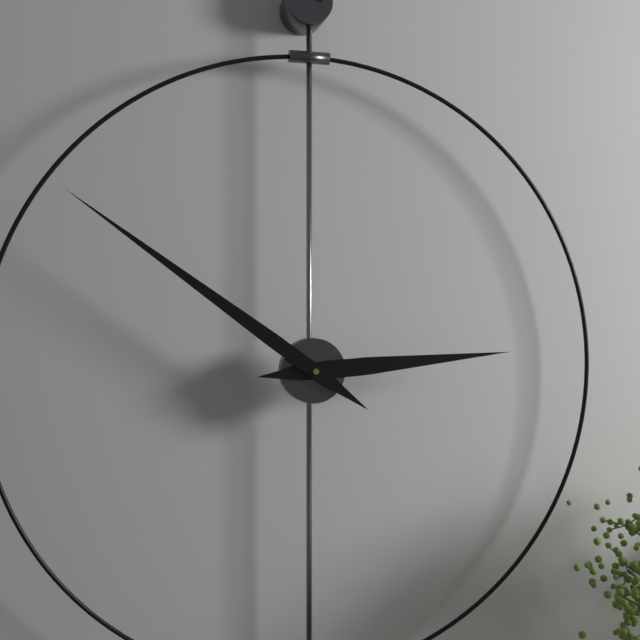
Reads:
h=2 m=51
